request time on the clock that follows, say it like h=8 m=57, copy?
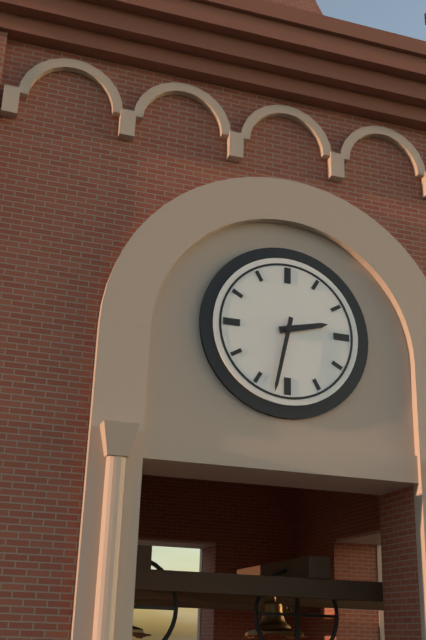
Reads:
h=2 m=32
